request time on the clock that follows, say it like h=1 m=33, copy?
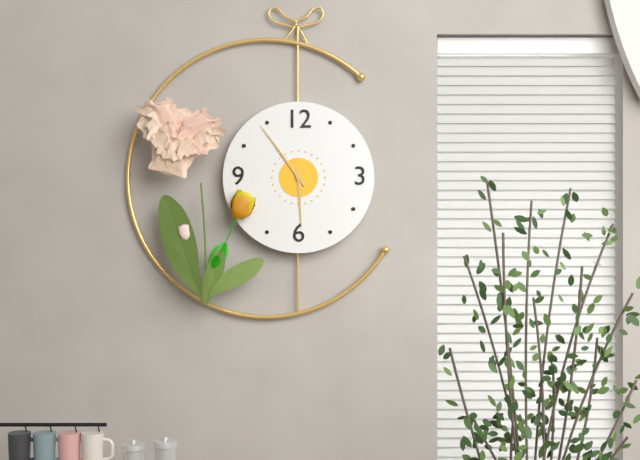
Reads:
h=5 m=54
